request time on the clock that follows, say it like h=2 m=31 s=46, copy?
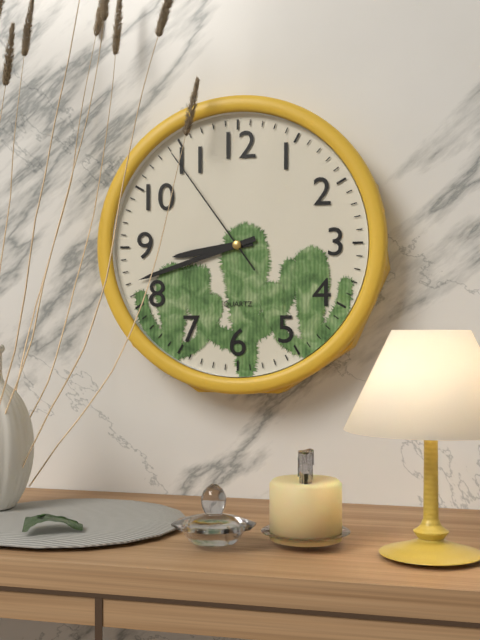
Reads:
h=8 m=42 s=54
